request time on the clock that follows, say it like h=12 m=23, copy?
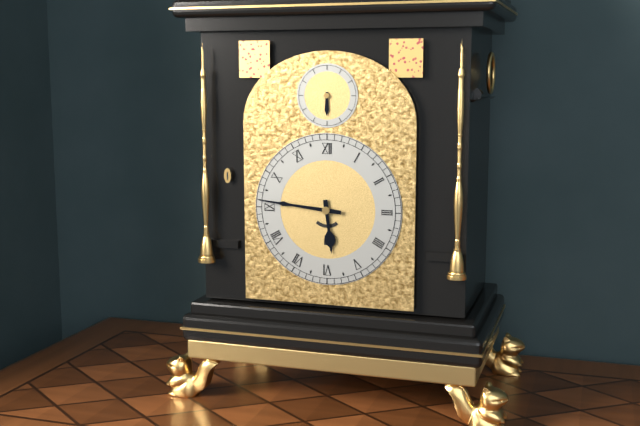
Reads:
h=5 m=46
